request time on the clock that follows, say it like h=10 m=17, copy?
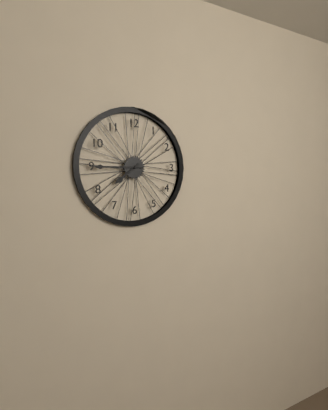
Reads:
h=7 m=45
